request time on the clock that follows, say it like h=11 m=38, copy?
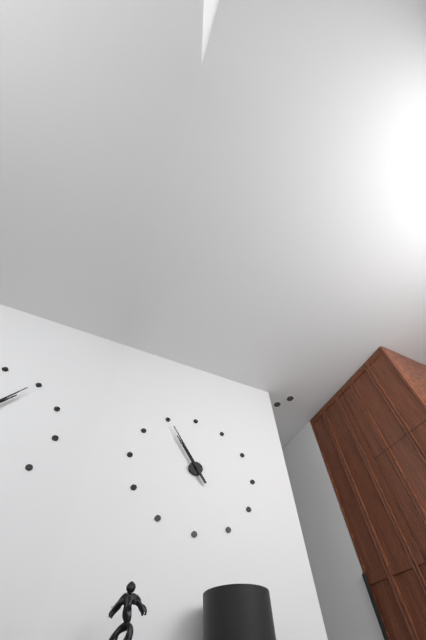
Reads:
h=10 m=55
